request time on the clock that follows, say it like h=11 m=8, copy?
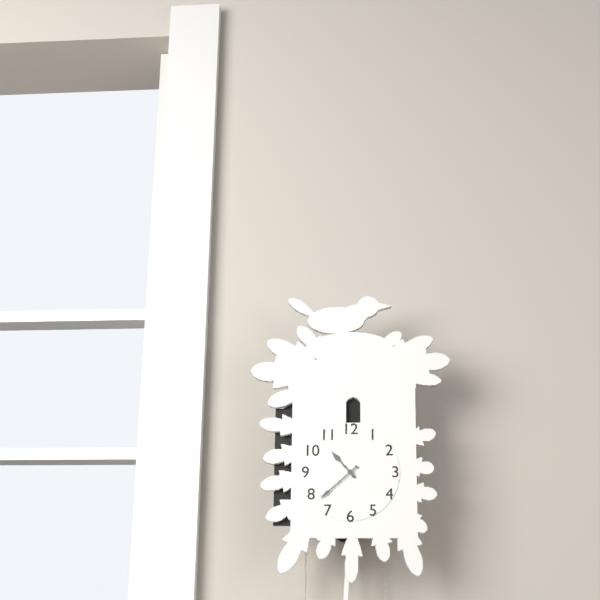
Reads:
h=10 m=38
